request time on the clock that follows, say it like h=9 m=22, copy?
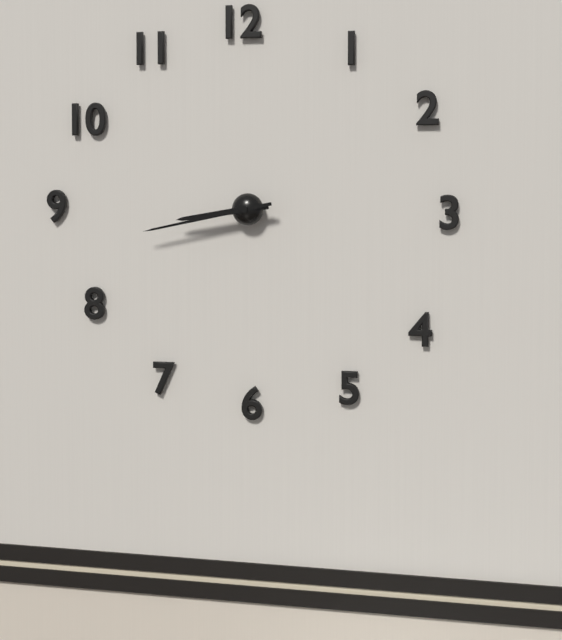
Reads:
h=8 m=43
